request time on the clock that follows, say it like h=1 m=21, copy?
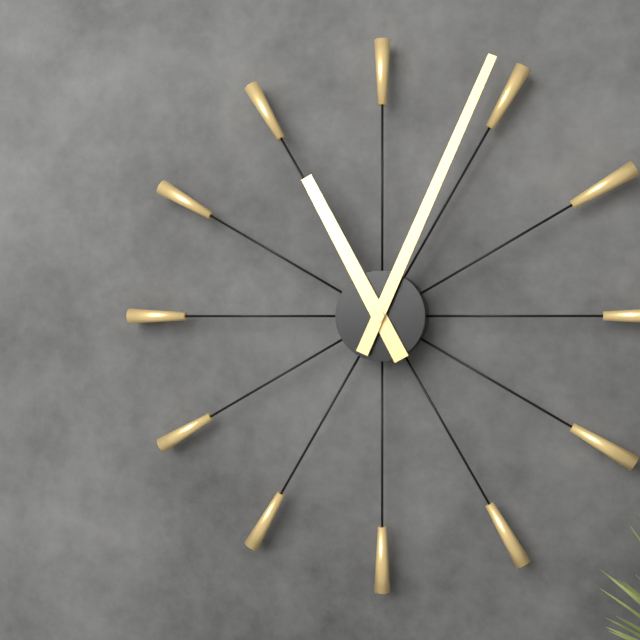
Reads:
h=11 m=4
